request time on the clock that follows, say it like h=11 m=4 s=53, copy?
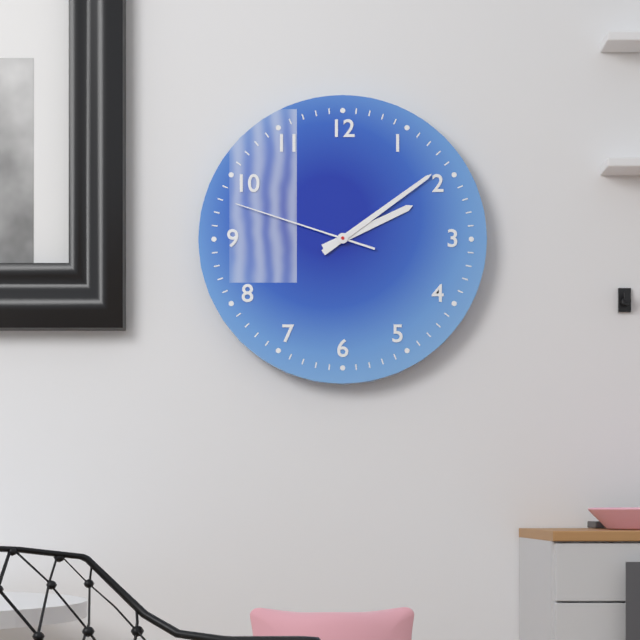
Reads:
h=2 m=9 s=48
